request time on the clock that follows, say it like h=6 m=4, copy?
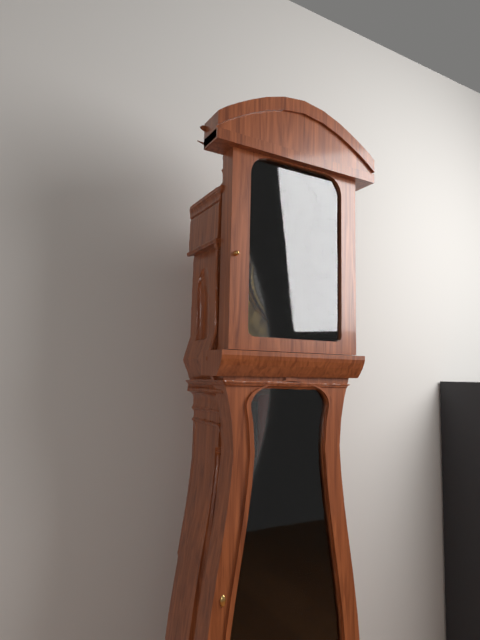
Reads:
h=10 m=9
